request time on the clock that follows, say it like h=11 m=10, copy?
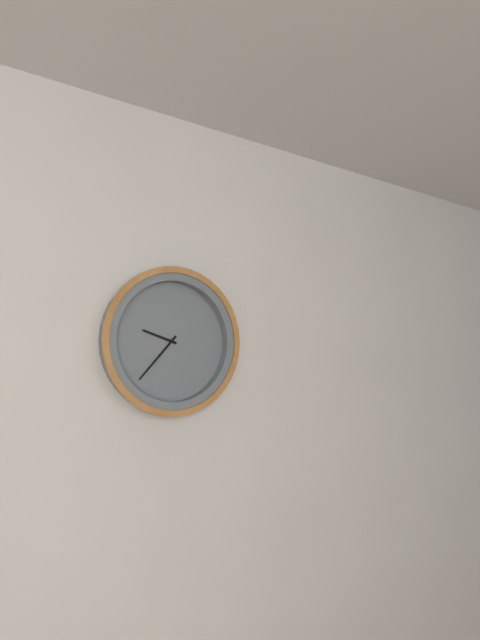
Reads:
h=9 m=37
